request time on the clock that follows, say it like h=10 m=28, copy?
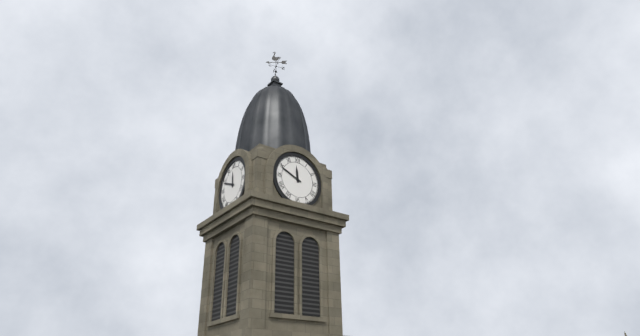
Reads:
h=11 m=49
